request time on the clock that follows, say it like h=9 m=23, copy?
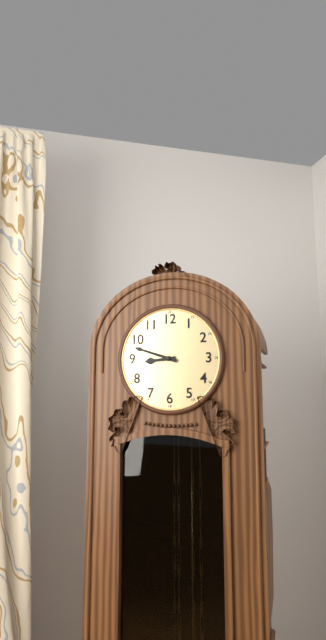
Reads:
h=8 m=48
